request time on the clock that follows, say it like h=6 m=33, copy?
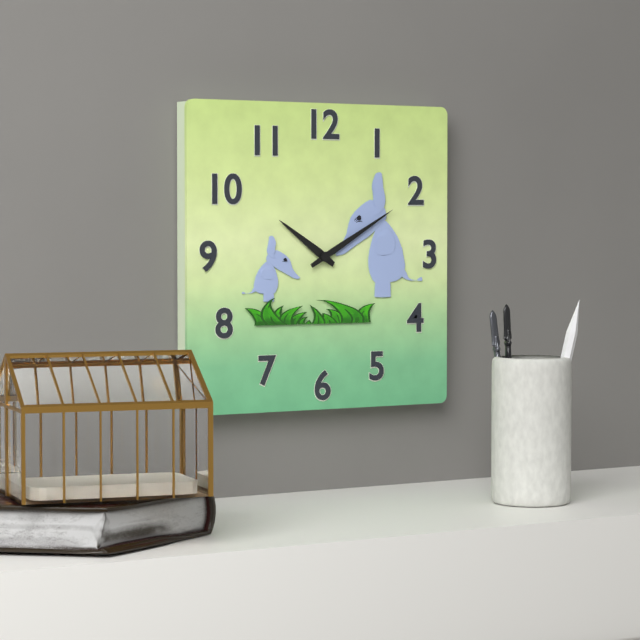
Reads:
h=10 m=10
